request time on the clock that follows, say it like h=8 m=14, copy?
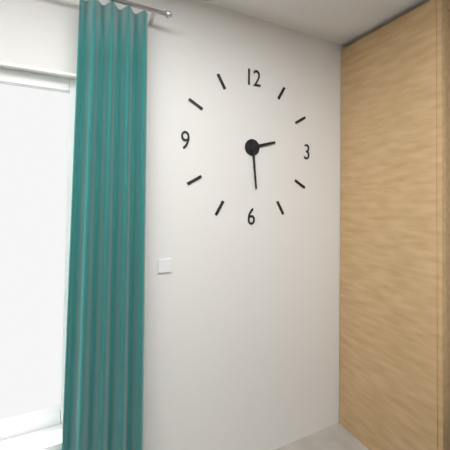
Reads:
h=2 m=29
